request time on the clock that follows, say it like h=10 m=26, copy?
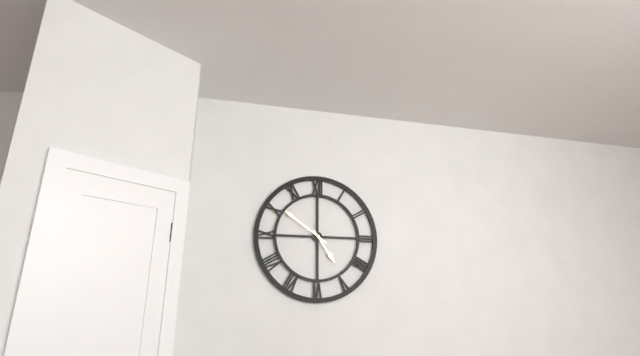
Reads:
h=4 m=51
